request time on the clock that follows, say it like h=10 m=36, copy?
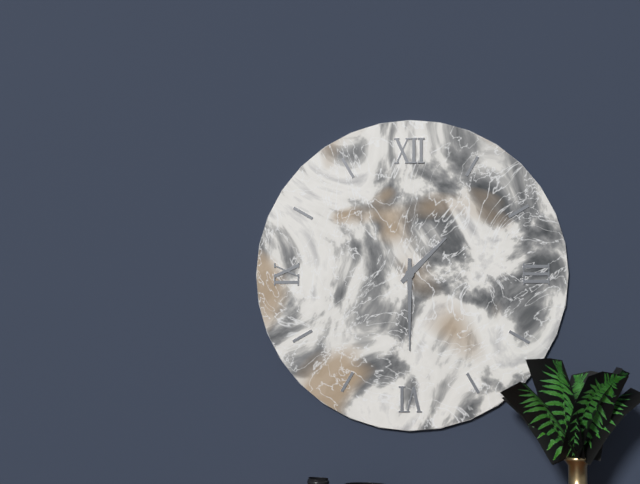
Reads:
h=1 m=30
